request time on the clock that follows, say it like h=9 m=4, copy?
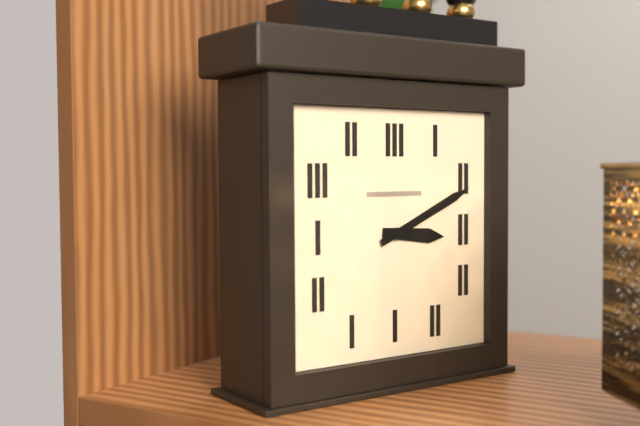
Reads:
h=3 m=11
